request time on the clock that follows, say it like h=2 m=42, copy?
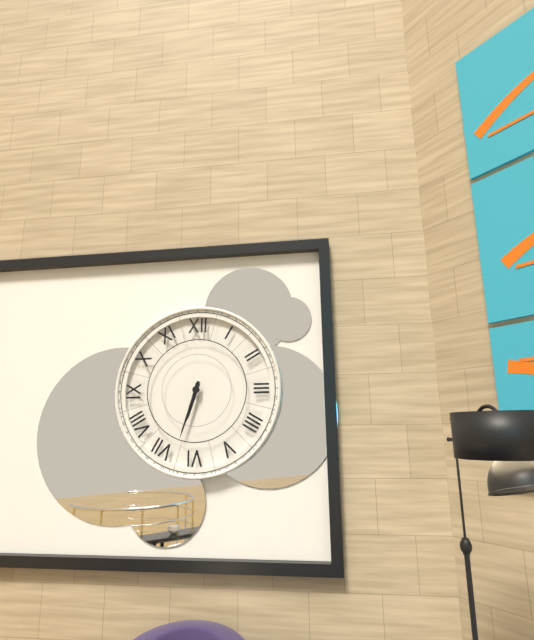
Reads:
h=6 m=33
